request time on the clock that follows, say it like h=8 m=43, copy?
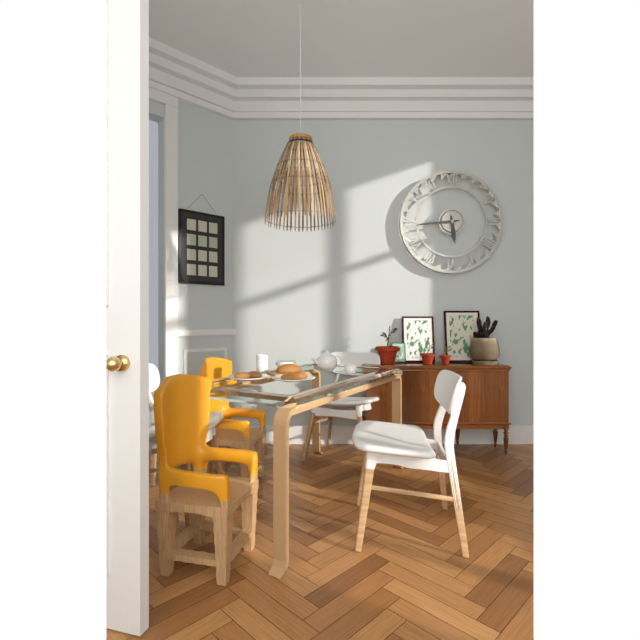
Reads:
h=5 m=44
